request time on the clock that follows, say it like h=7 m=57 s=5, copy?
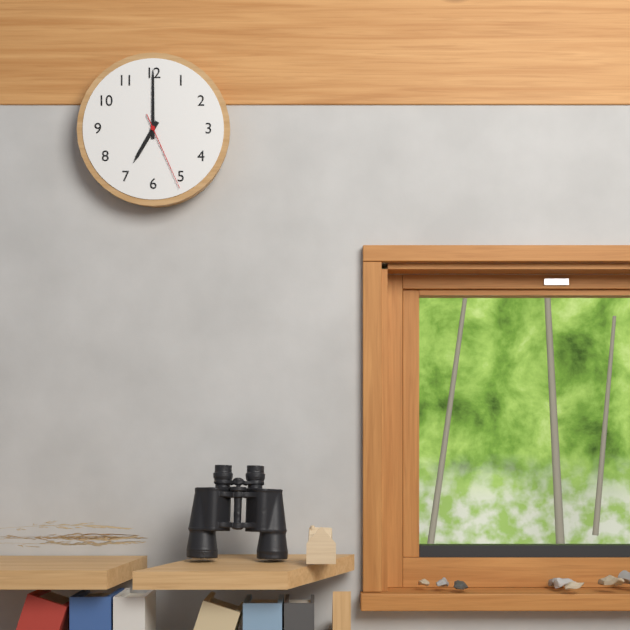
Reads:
h=7 m=0 s=26
